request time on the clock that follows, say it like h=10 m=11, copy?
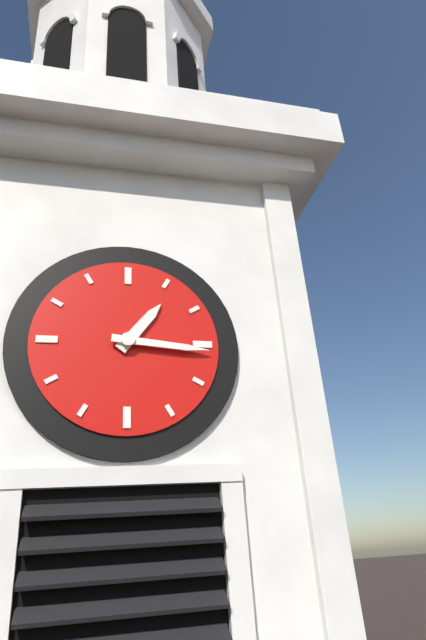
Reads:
h=1 m=16
